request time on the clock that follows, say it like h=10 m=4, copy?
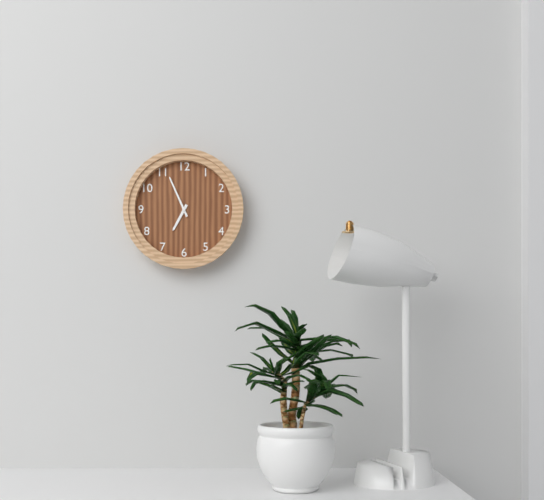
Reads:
h=6 m=56
